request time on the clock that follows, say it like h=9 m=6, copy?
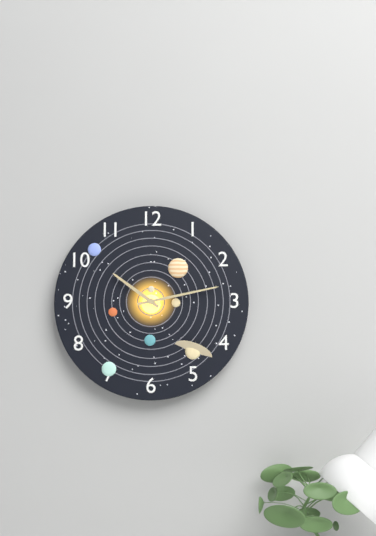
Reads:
h=10 m=13
